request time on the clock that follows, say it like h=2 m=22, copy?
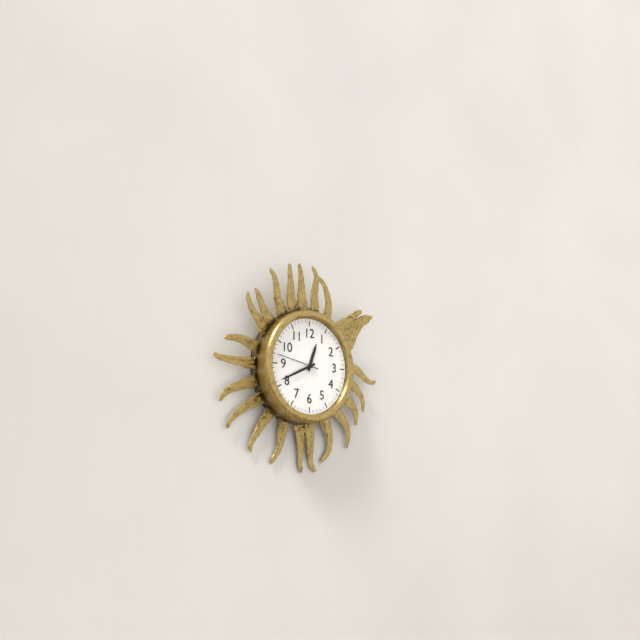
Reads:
h=12 m=41
